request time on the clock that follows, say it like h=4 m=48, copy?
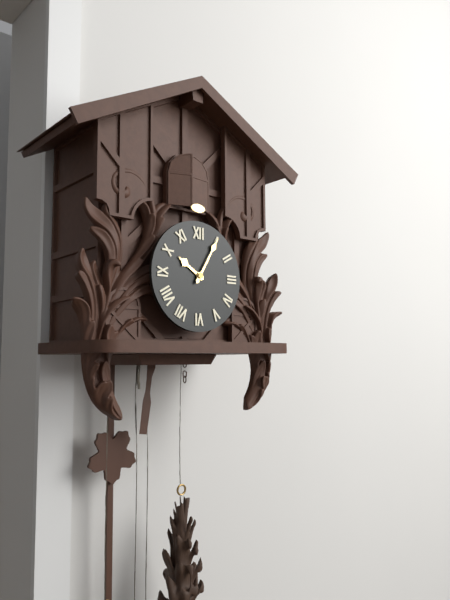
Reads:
h=10 m=5
